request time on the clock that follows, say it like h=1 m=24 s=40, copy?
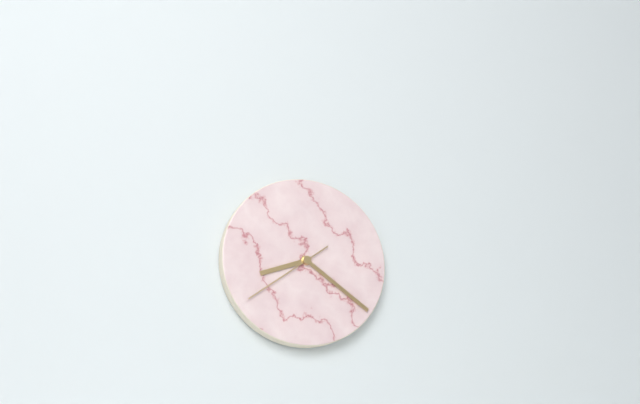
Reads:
h=8 m=21 s=39
